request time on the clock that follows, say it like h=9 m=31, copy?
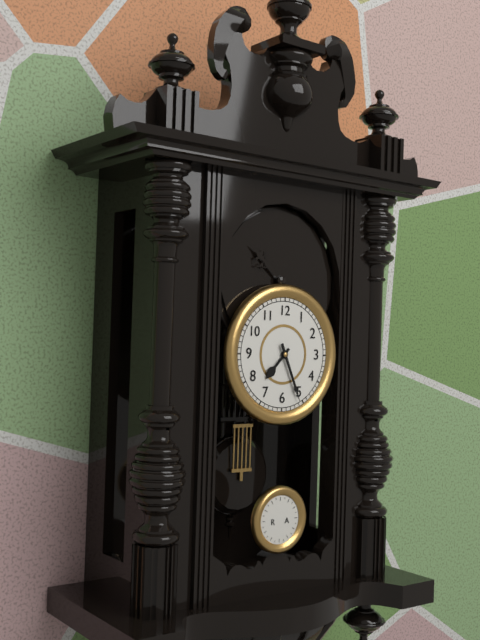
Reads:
h=7 m=26
